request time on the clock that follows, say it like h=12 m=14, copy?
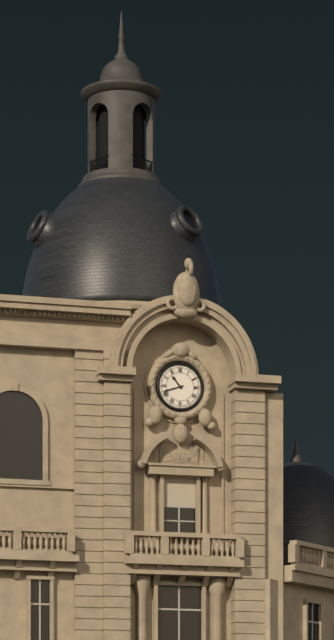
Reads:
h=10 m=42
